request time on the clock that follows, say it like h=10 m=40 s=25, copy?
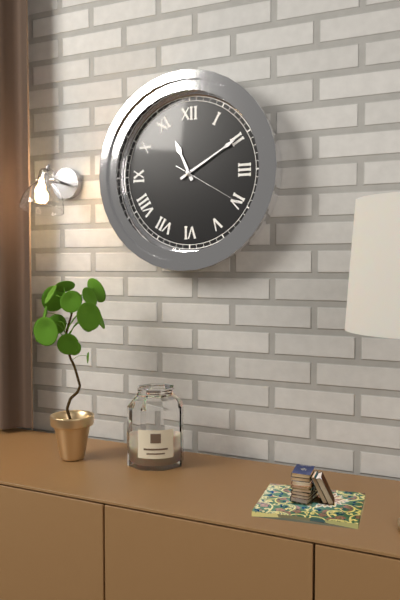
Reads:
h=11 m=10 s=20
